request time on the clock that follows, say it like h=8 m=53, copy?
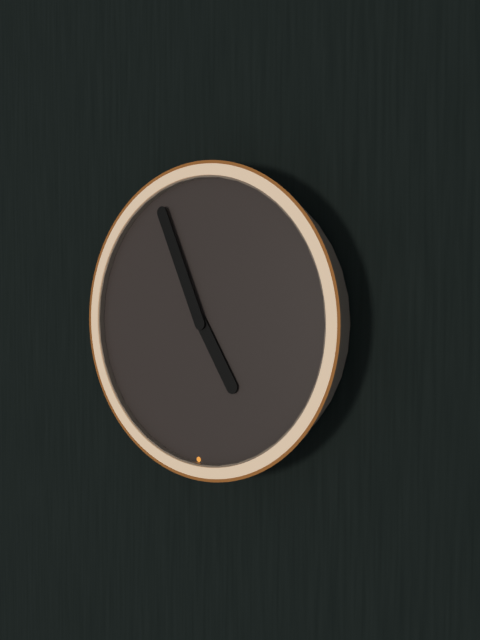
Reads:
h=4 m=56
